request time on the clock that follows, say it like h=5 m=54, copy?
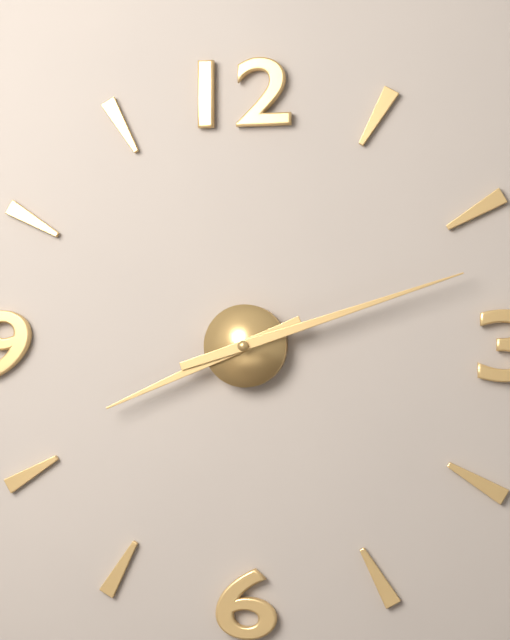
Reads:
h=8 m=12
